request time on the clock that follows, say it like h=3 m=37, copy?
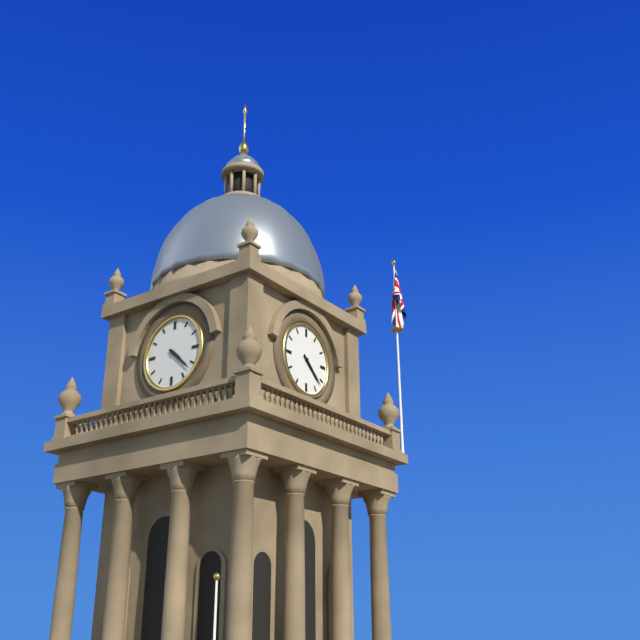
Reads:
h=4 m=22
